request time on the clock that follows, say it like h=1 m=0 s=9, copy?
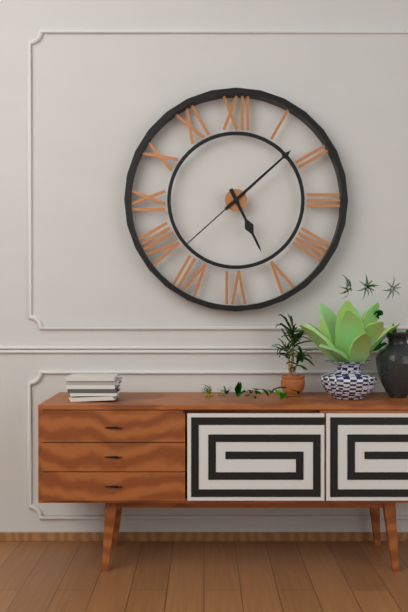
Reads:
h=5 m=8 s=38
